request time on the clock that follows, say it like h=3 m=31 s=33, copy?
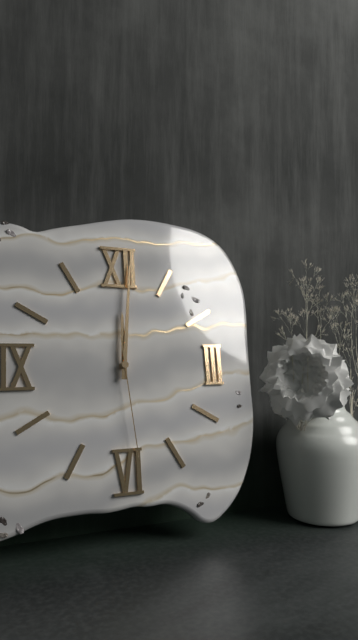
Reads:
h=12 m=1 s=29
